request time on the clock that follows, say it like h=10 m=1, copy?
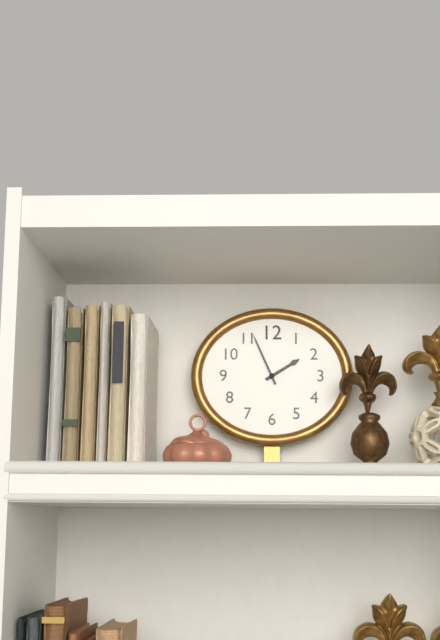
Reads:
h=1 m=56
